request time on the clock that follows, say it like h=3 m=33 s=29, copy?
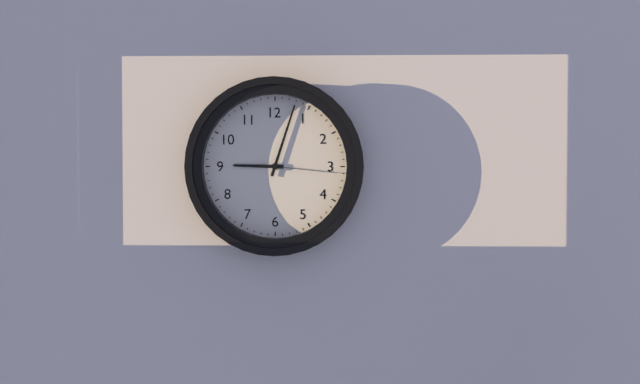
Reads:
h=9 m=3 s=16
